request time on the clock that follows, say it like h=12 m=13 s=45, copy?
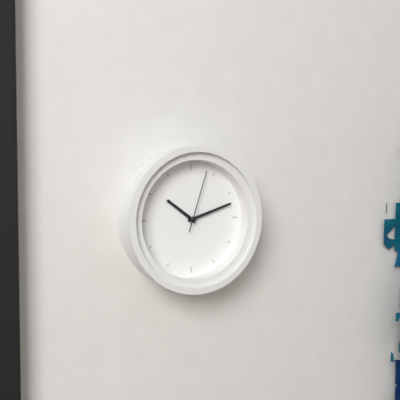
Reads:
h=10 m=12 s=3
